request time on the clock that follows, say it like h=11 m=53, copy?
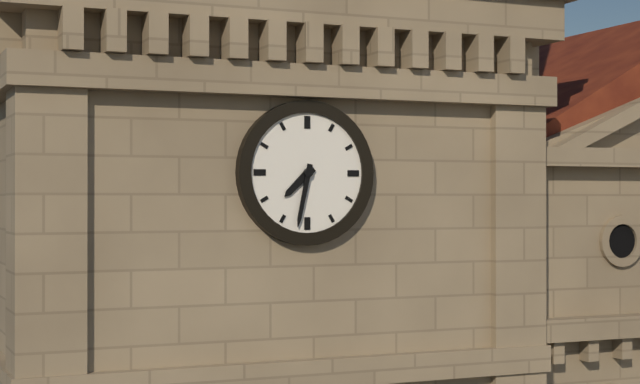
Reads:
h=7 m=32
